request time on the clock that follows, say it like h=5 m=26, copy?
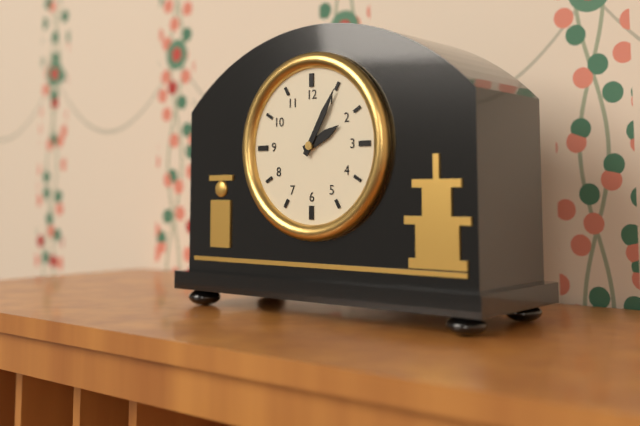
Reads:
h=2 m=5
